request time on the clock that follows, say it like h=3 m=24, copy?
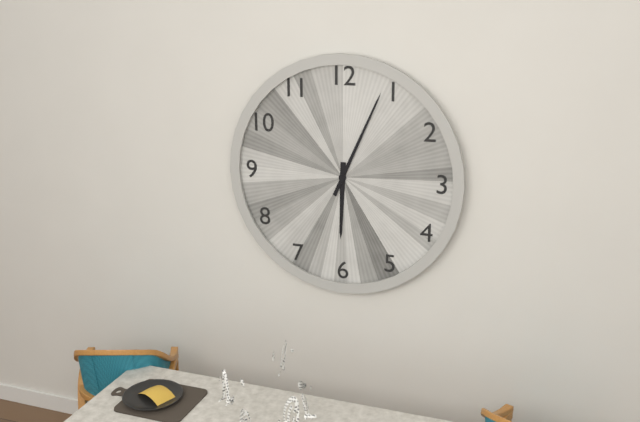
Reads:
h=6 m=4
